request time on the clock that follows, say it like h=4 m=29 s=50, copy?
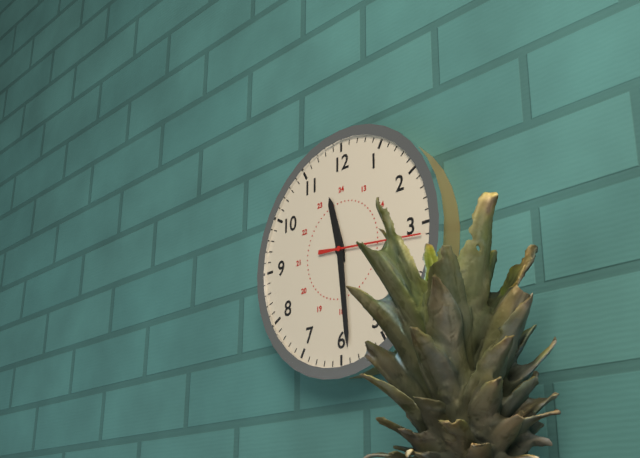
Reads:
h=11 m=29 s=16
